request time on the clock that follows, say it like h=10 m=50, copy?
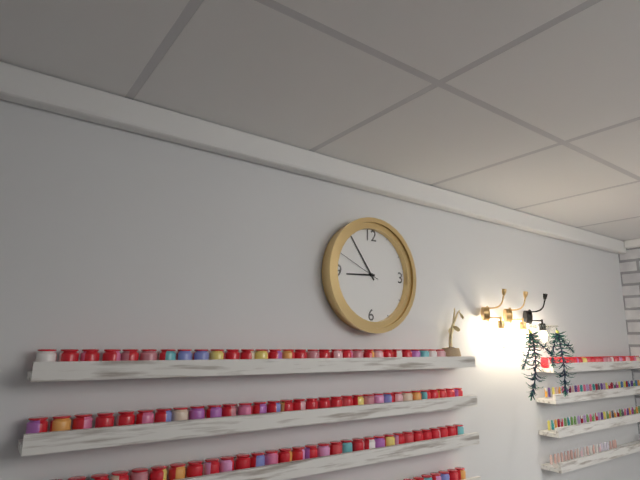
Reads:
h=8 m=54
